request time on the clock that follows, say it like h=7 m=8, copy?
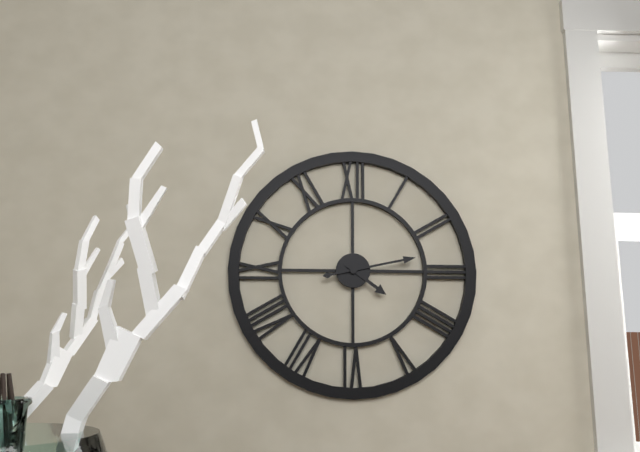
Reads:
h=4 m=13
